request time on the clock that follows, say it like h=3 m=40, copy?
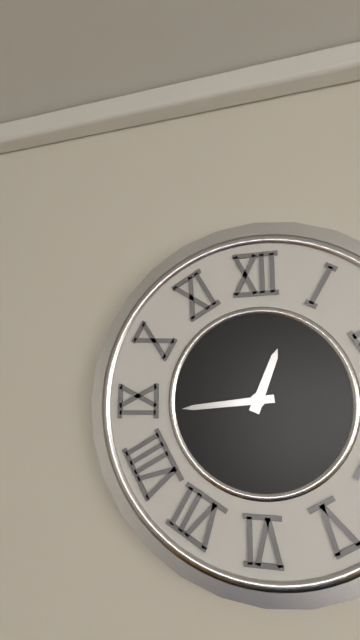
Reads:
h=12 m=44
